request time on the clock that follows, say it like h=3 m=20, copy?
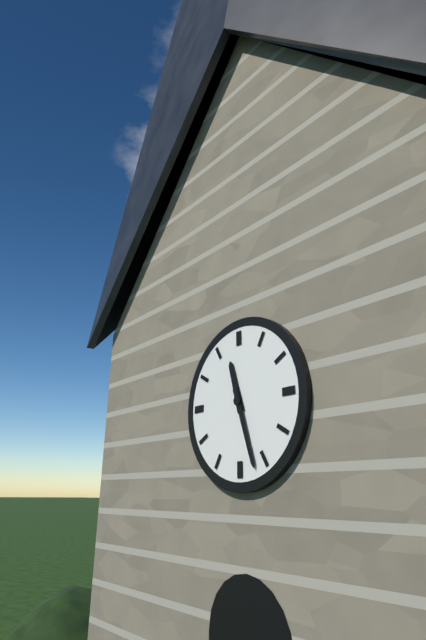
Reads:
h=11 m=27
